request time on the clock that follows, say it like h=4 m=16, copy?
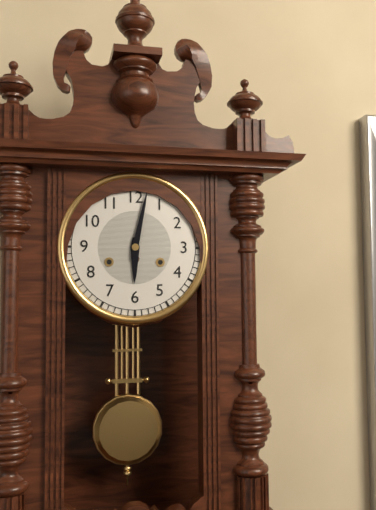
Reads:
h=6 m=2
